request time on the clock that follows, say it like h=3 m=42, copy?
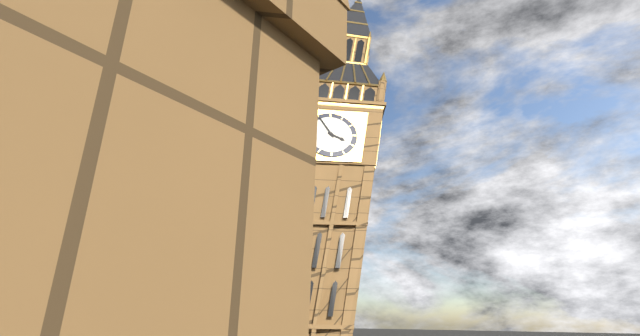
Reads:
h=3 m=55
